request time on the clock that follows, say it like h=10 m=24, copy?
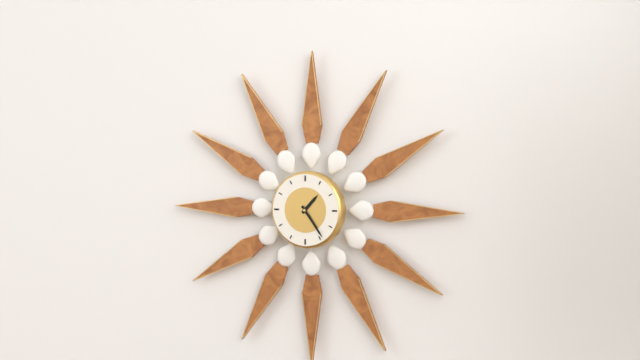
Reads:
h=1 m=24
